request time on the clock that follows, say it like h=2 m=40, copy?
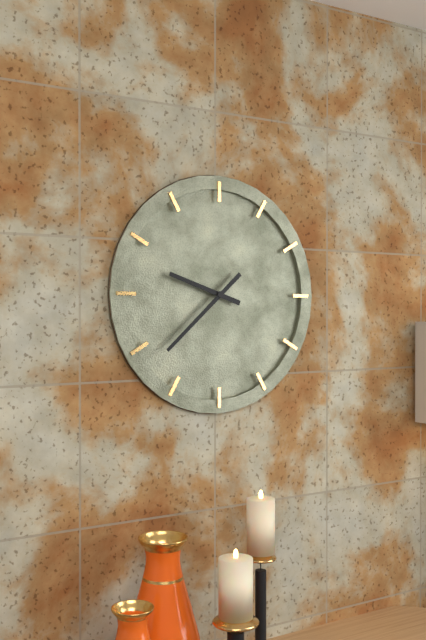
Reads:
h=9 m=38
